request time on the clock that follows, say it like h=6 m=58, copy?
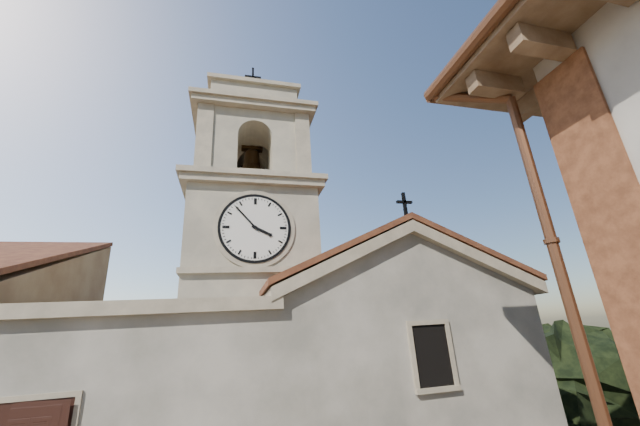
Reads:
h=3 m=53
